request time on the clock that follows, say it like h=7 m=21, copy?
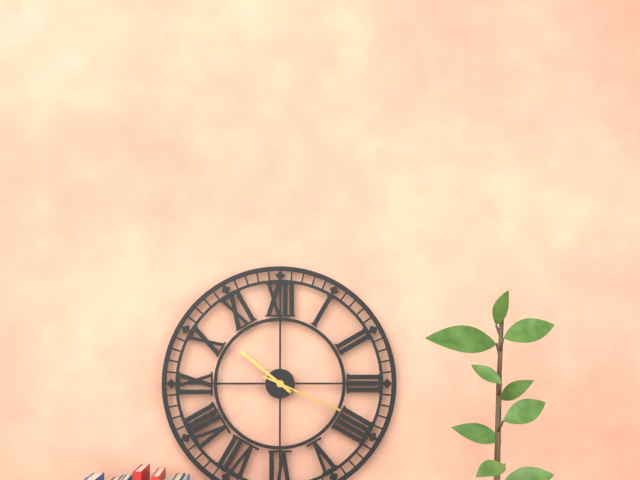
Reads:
h=10 m=19
